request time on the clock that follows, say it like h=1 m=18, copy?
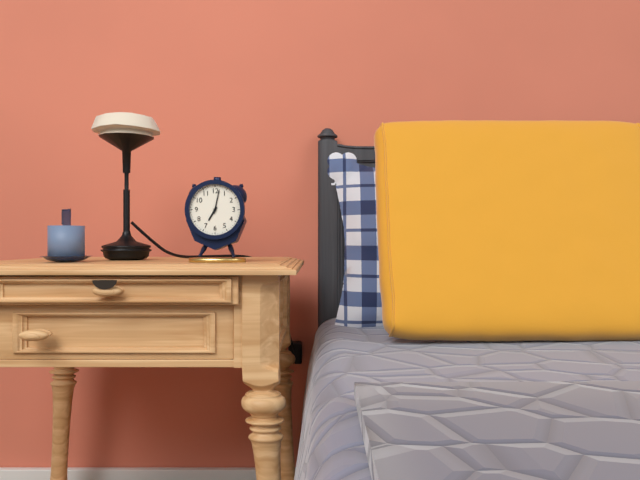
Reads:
h=7 m=2
